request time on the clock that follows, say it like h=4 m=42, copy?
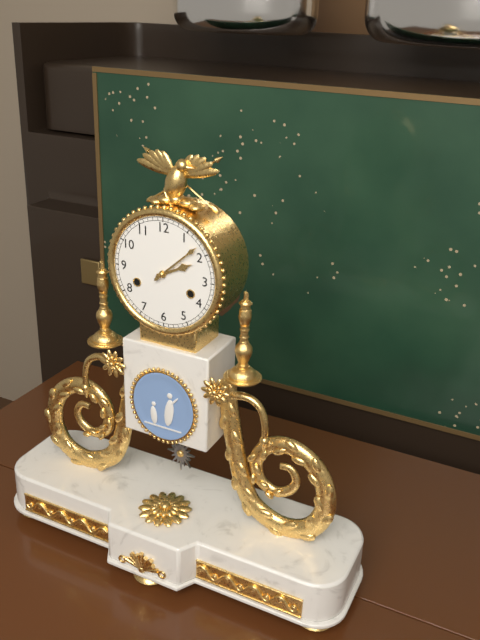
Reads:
h=2 m=8
